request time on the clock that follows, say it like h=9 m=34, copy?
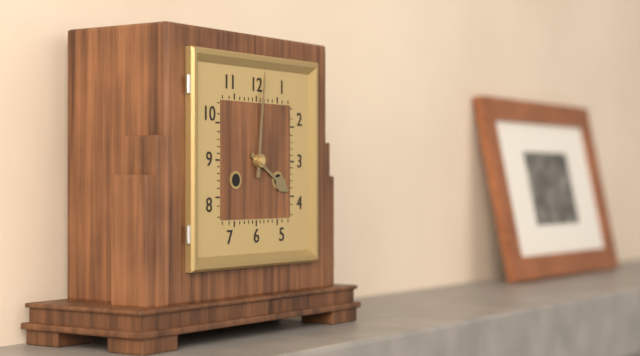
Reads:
h=4 m=1
